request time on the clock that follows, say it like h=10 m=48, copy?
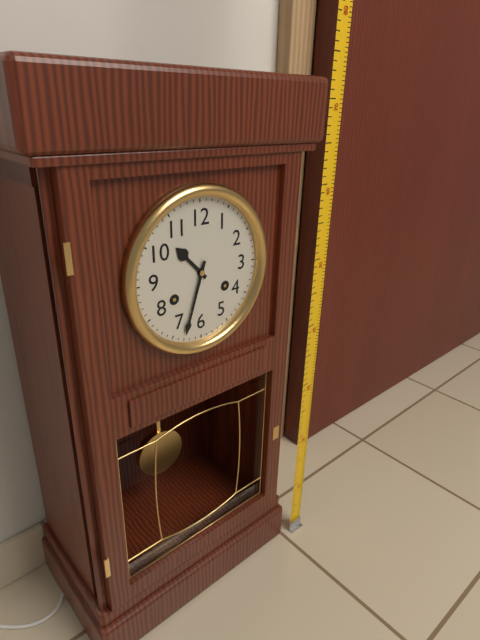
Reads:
h=10 m=33
